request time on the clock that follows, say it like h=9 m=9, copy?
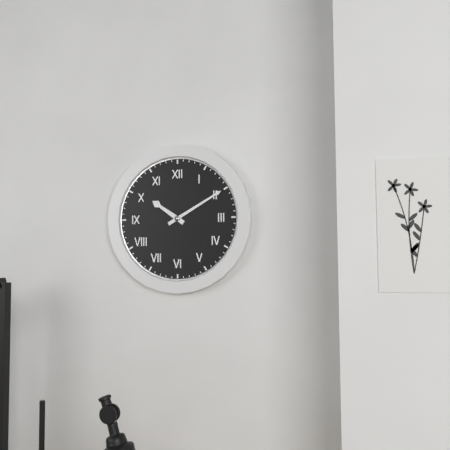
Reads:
h=10 m=10
